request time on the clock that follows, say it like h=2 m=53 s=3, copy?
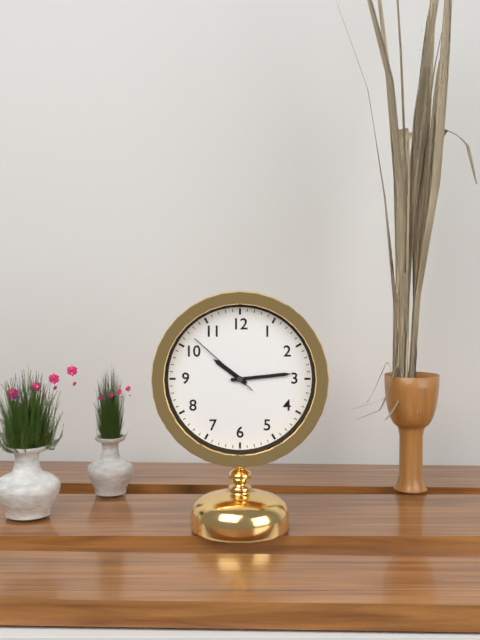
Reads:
h=10 m=14 s=52
